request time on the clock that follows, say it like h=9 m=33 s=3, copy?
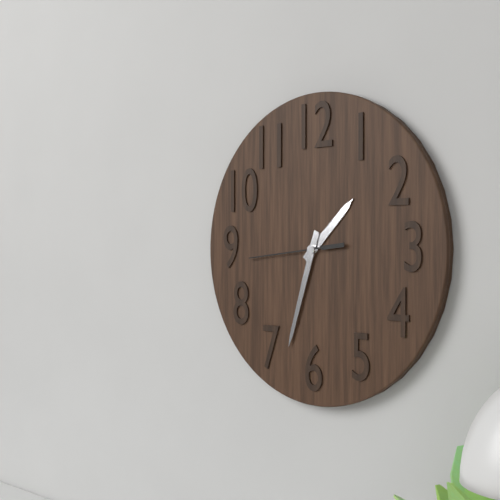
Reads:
h=1 m=33 s=44
